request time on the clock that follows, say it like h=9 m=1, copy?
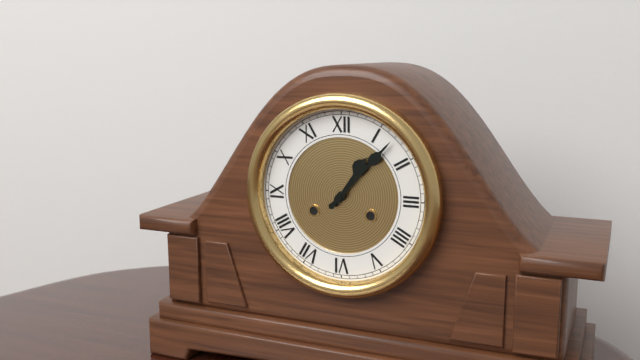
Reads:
h=1 m=7
